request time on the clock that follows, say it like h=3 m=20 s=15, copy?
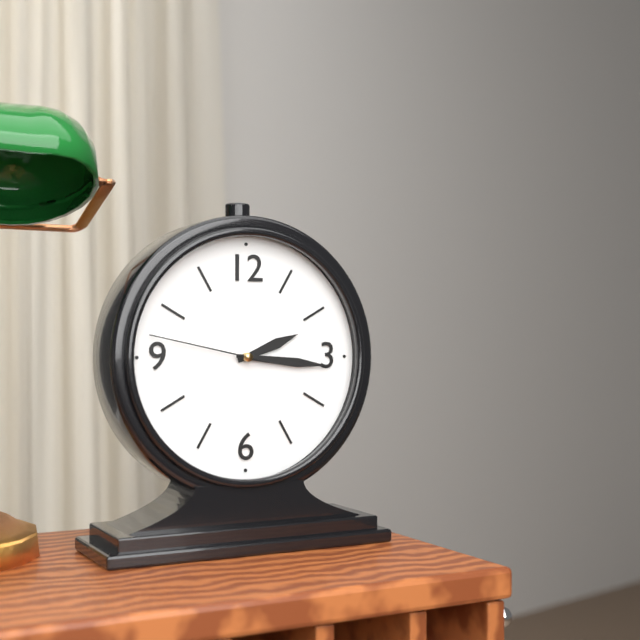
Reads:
h=2 m=16 s=47
